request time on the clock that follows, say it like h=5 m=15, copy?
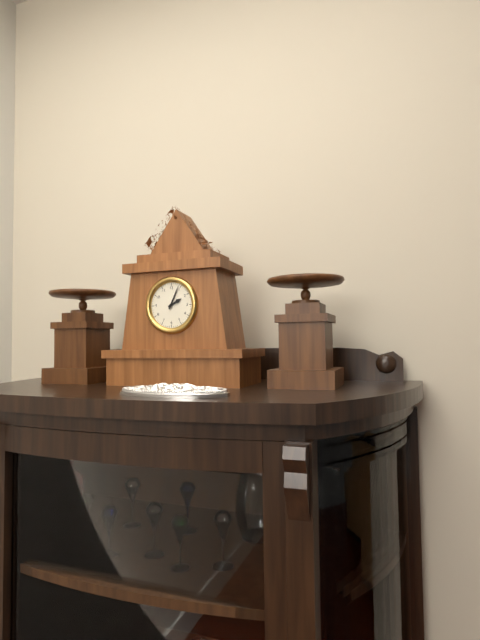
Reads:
h=2 m=4
